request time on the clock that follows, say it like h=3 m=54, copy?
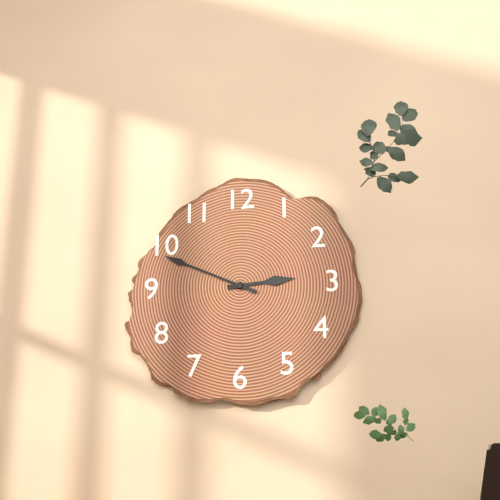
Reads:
h=2 m=49
